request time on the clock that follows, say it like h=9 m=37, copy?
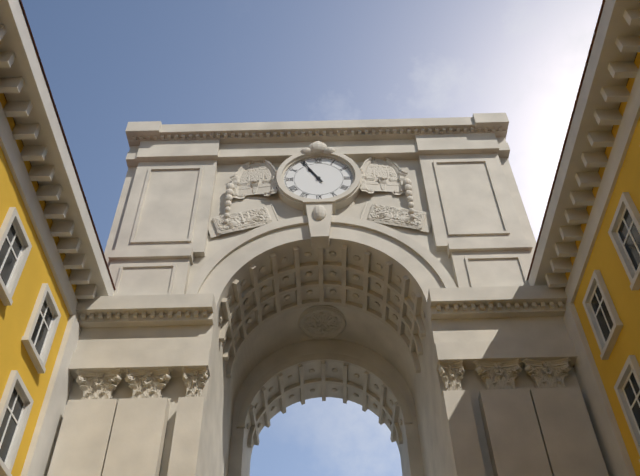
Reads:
h=10 m=55
